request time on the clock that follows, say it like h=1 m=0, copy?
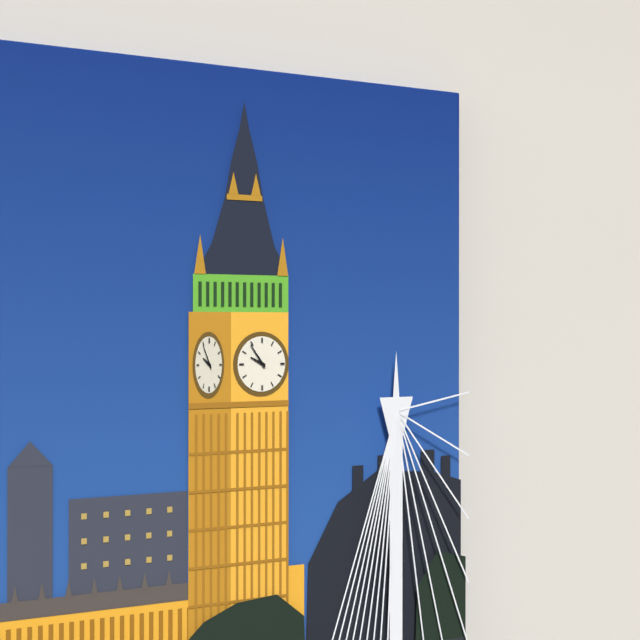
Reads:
h=9 m=54
